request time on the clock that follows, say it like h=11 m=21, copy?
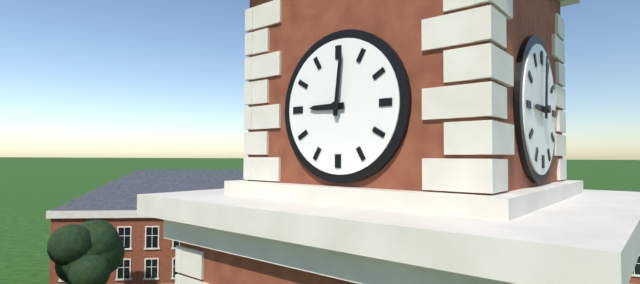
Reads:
h=9 m=1
